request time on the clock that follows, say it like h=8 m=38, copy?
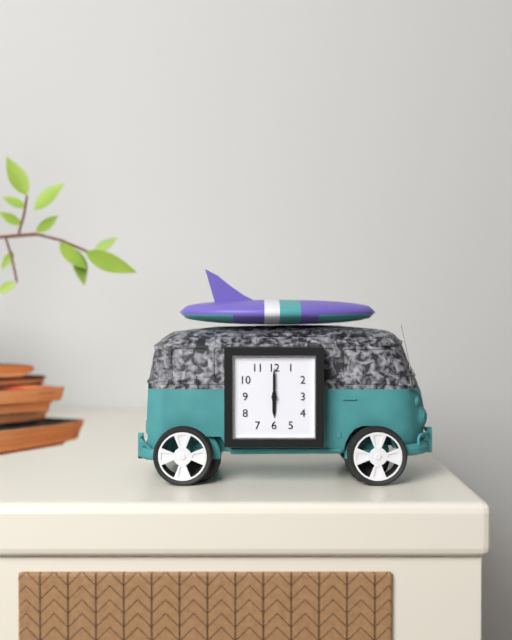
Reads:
h=6 m=0
